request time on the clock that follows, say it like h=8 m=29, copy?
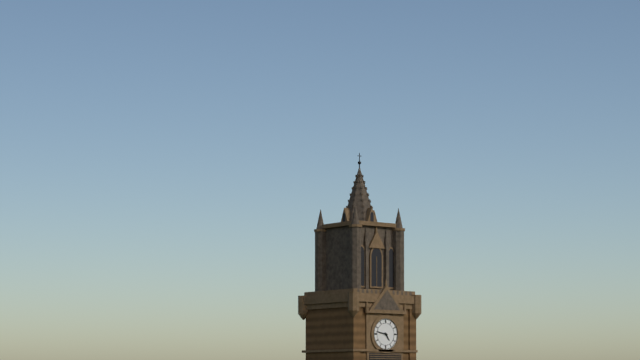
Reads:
h=4 m=47
